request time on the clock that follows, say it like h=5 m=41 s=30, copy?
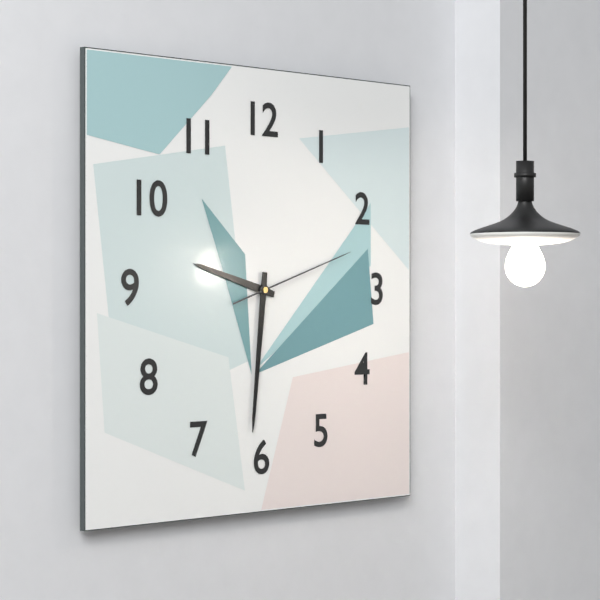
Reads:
h=9 m=31 s=12
